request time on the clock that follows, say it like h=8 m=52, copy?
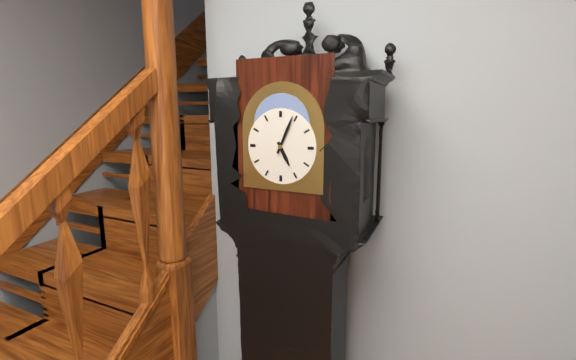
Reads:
h=5 m=4
